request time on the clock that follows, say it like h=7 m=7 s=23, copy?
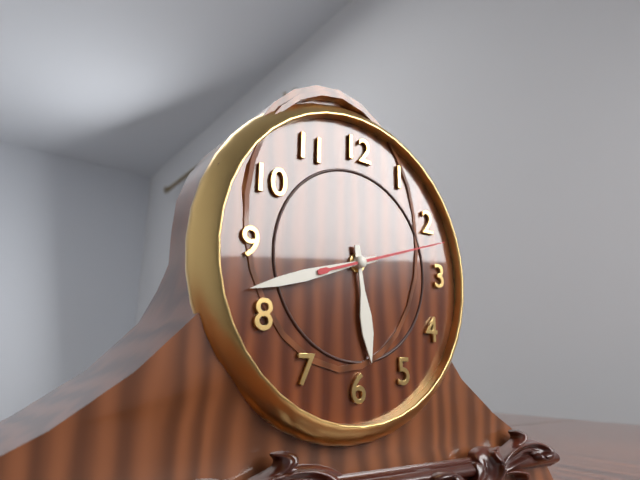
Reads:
h=5 m=42 s=12
